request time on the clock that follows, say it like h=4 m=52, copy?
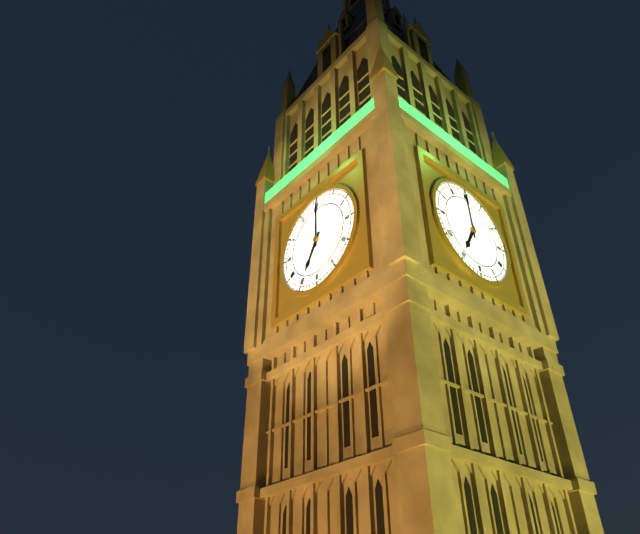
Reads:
h=7 m=0
